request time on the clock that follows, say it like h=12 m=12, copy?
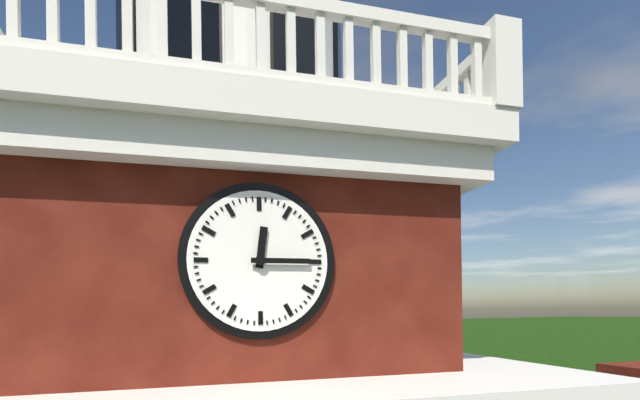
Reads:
h=12 m=15
